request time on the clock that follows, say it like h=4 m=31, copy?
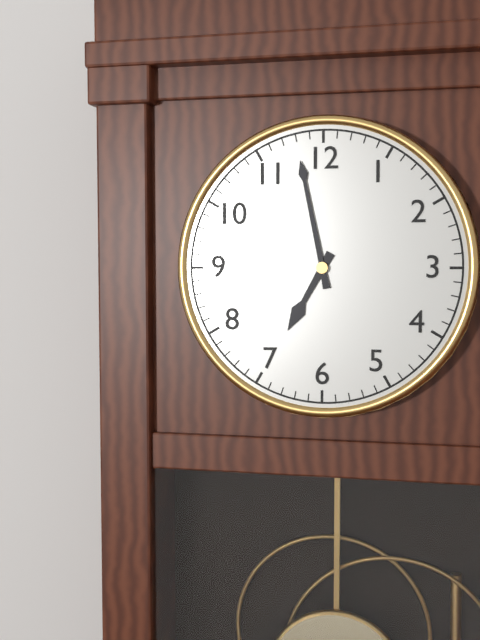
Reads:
h=6 m=58
